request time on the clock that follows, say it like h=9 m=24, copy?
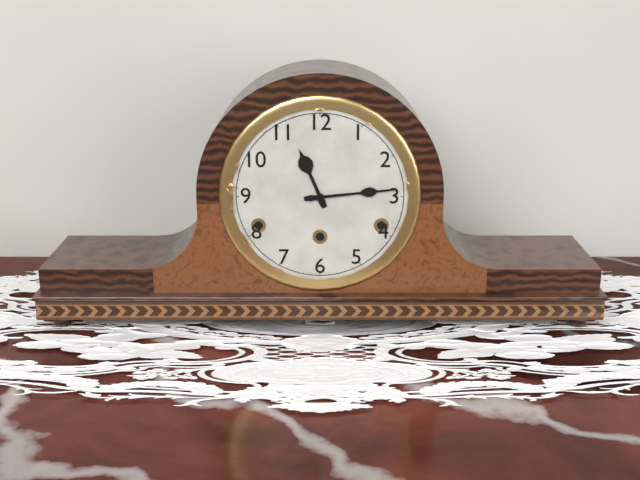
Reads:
h=11 m=14
